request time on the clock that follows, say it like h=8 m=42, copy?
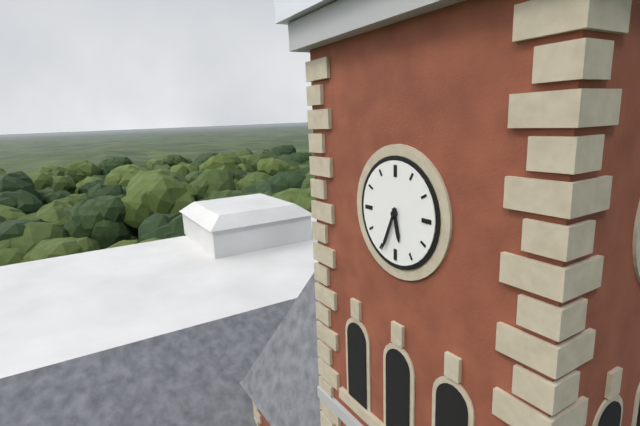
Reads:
h=5 m=34
